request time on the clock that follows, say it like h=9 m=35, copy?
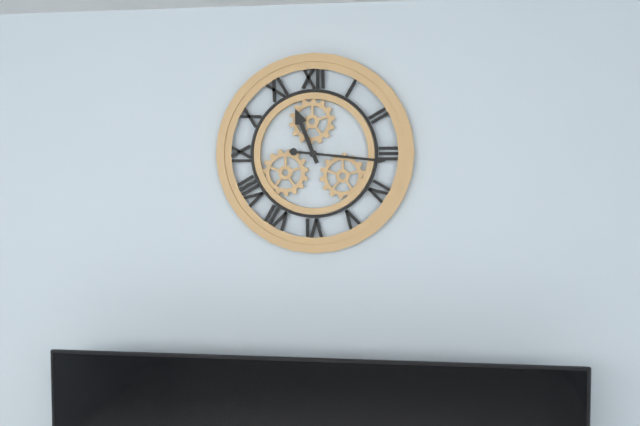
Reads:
h=11 m=16
